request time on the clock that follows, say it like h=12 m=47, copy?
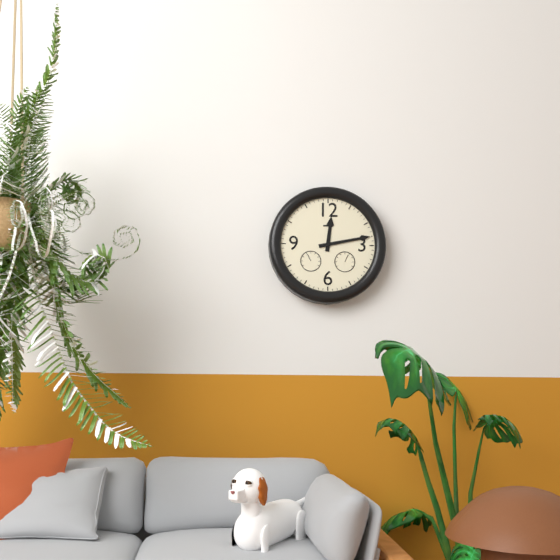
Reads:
h=12 m=13
